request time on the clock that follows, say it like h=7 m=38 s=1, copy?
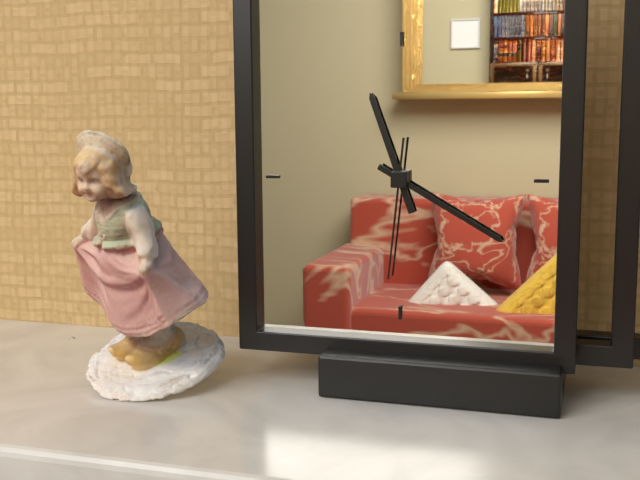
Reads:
h=11 m=20 s=31
